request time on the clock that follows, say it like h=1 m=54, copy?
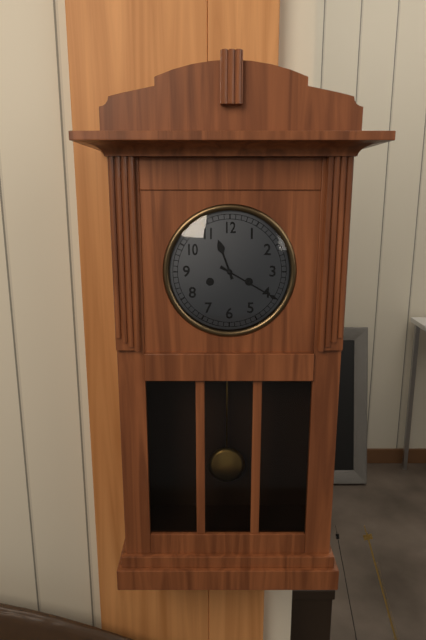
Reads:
h=11 m=20
